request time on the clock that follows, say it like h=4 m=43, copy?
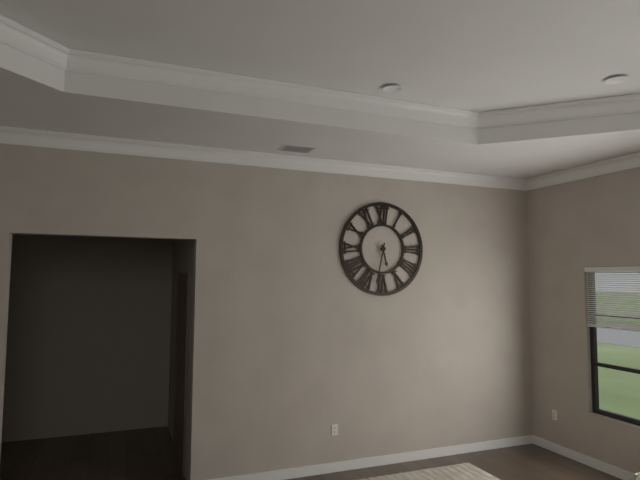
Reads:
h=5 m=32
